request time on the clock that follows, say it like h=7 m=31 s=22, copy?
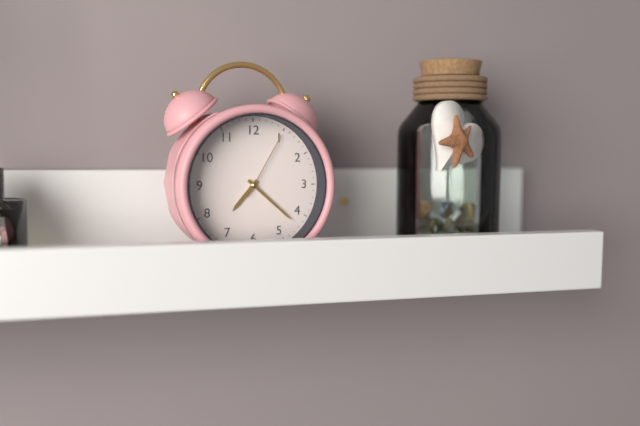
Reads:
h=7 m=22 s=5
